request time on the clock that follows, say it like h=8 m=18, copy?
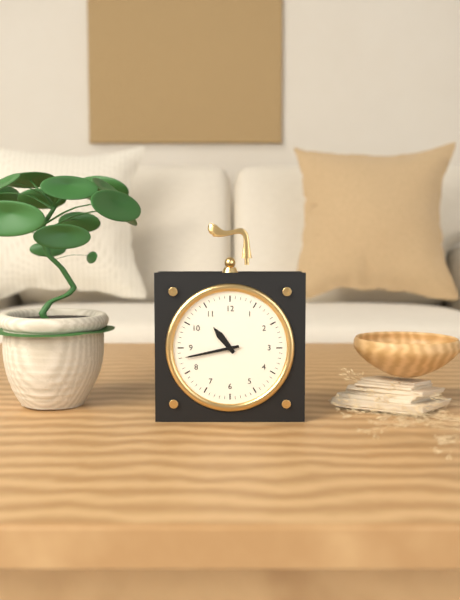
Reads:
h=10 m=43
